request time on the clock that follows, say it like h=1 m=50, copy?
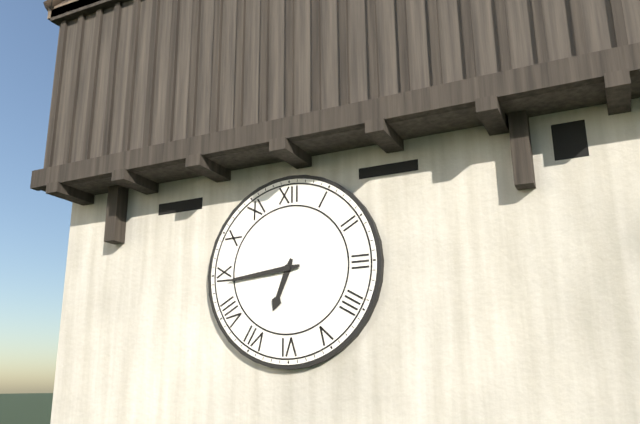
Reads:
h=6 m=44
